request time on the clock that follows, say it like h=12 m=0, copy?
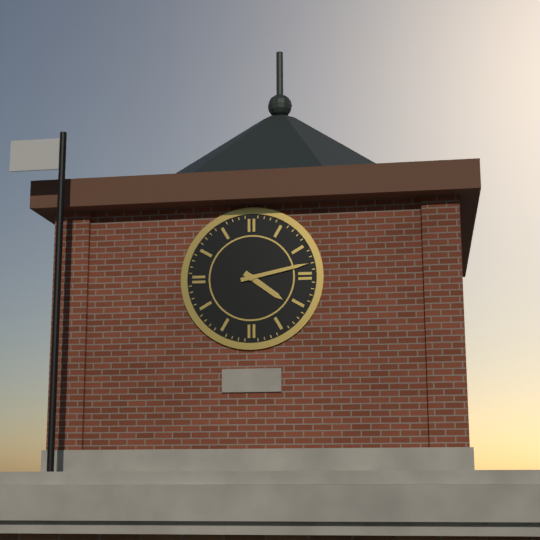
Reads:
h=4 m=13
